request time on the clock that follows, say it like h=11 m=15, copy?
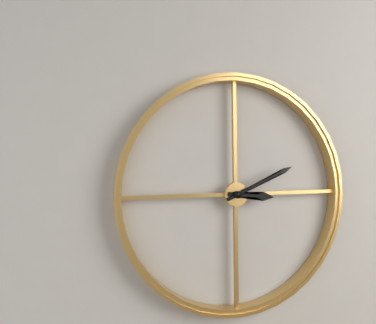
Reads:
h=3 m=11
